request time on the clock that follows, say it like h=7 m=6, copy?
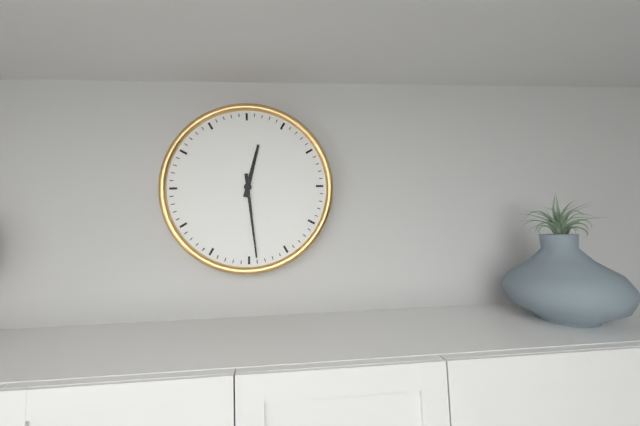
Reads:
h=12 m=29
